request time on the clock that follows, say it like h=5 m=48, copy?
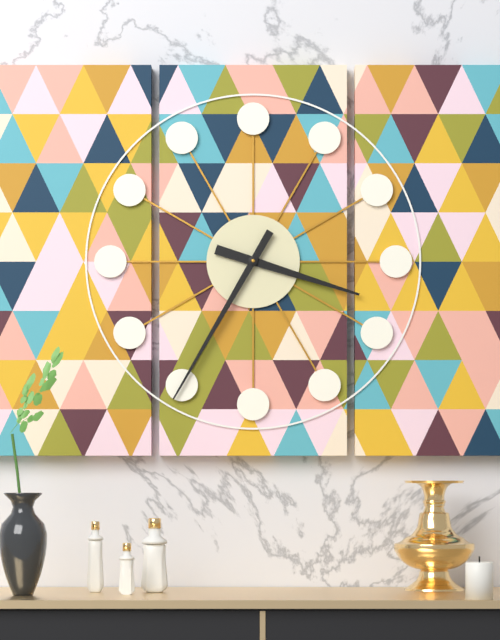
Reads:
h=3 m=35
